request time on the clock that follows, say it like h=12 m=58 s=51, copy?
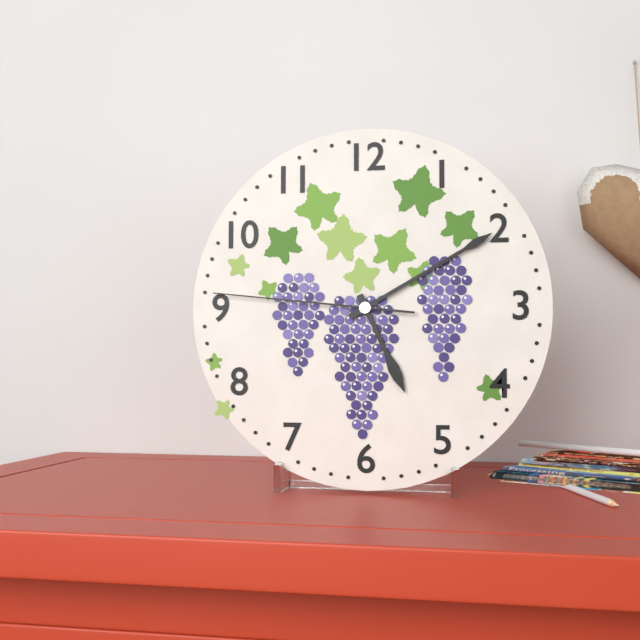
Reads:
h=5 m=10 s=46
